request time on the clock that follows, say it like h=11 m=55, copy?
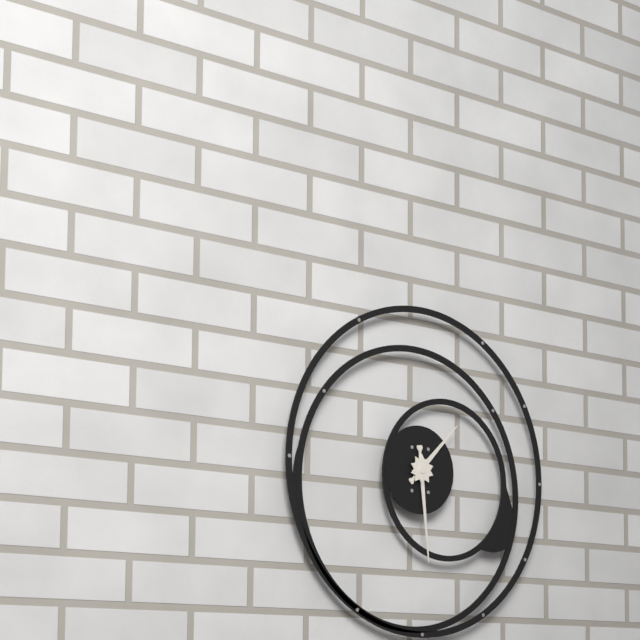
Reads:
h=1 m=29
